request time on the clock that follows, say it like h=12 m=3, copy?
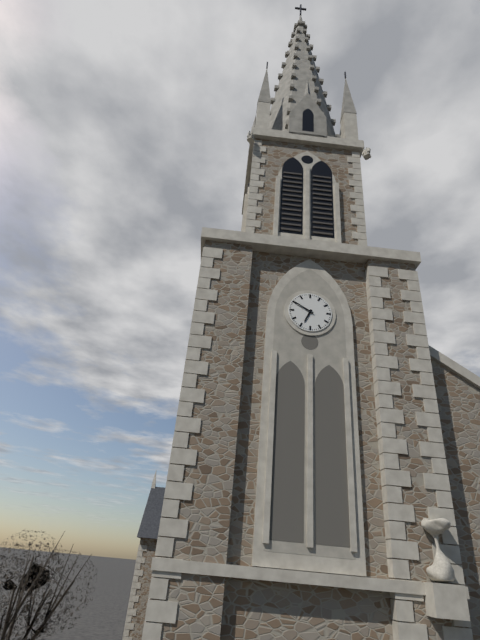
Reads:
h=6 m=50
